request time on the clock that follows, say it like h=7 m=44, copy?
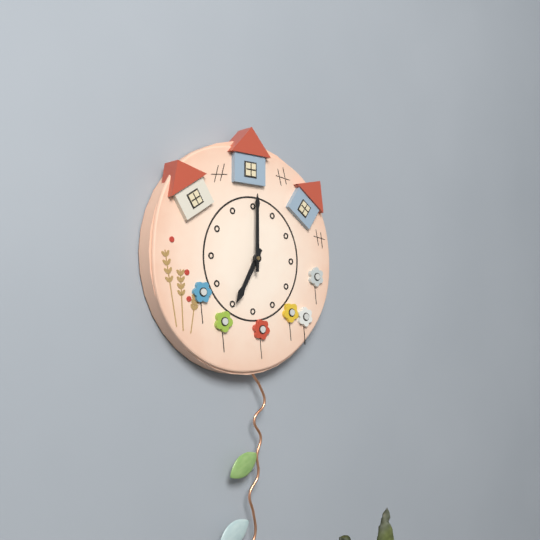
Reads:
h=7 m=0
